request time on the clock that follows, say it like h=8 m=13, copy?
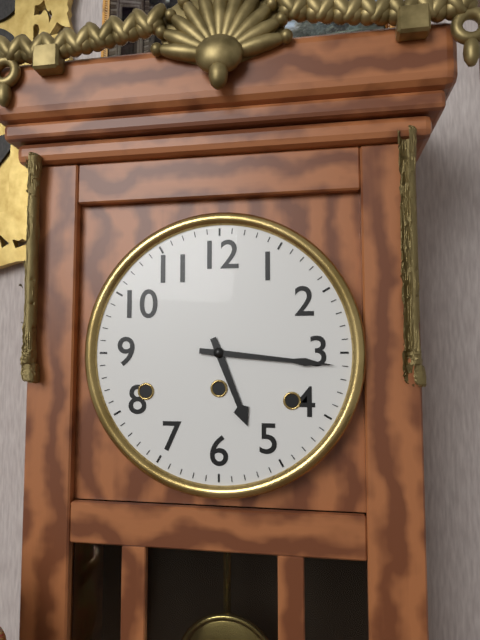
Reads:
h=5 m=16
